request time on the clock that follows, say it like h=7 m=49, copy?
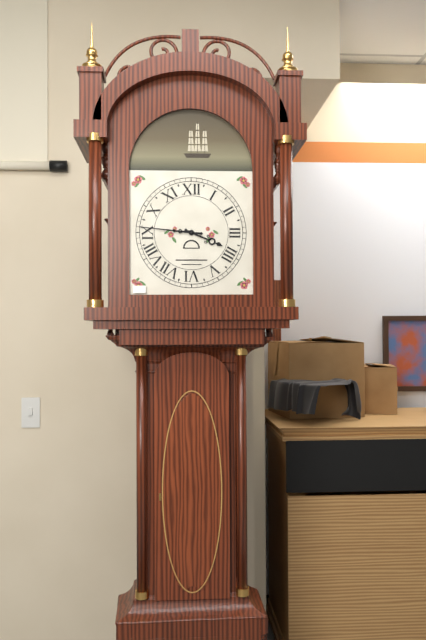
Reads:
h=3 m=46
